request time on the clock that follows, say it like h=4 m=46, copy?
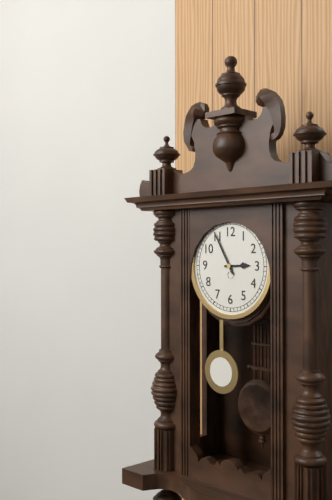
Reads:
h=2 m=55
